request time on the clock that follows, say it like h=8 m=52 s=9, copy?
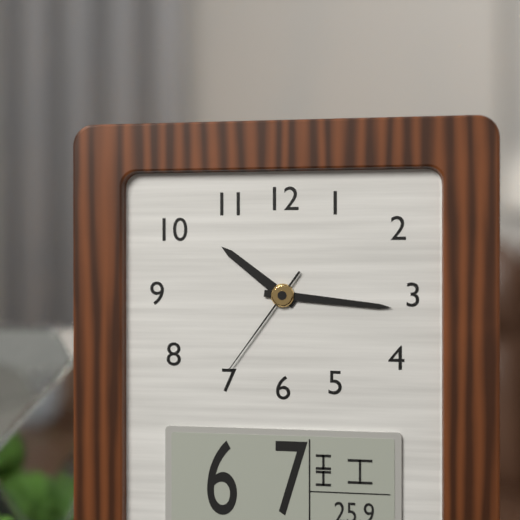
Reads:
h=10 m=16 s=36
